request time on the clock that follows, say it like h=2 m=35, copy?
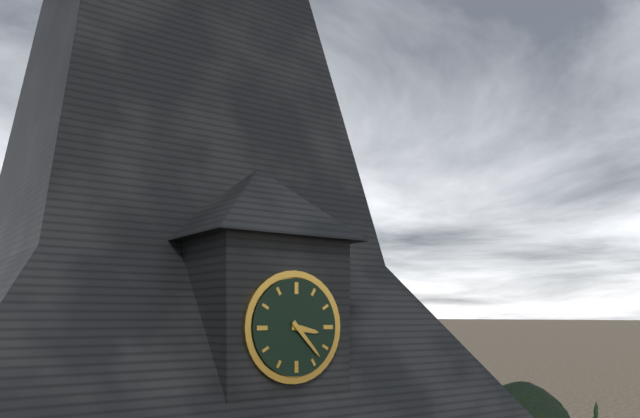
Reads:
h=3 m=23
